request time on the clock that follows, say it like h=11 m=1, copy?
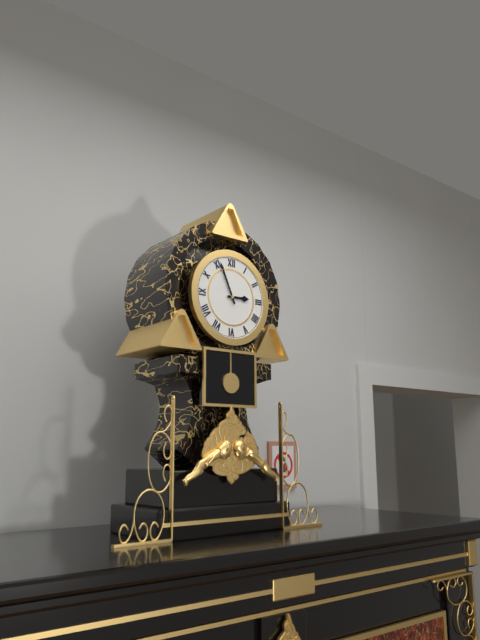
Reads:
h=2 m=56
